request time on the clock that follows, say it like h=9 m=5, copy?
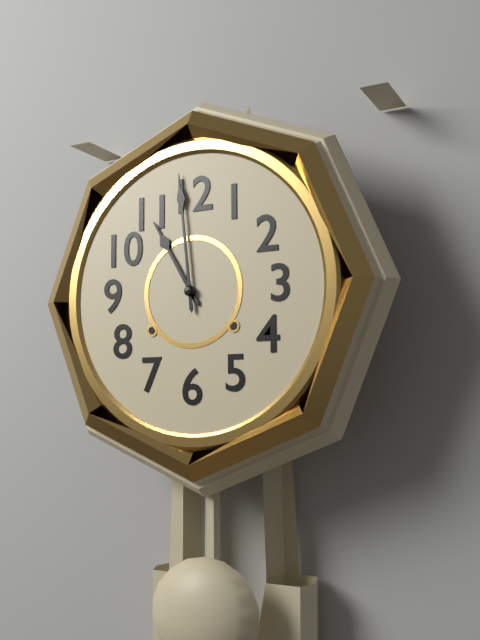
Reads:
h=10 m=59
